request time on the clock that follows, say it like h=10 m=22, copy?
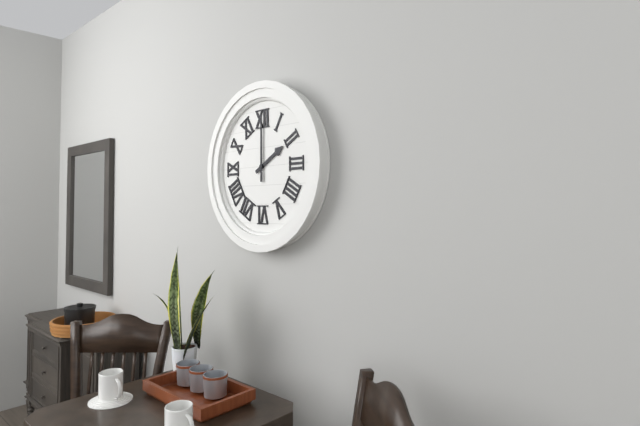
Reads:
h=2 m=0
